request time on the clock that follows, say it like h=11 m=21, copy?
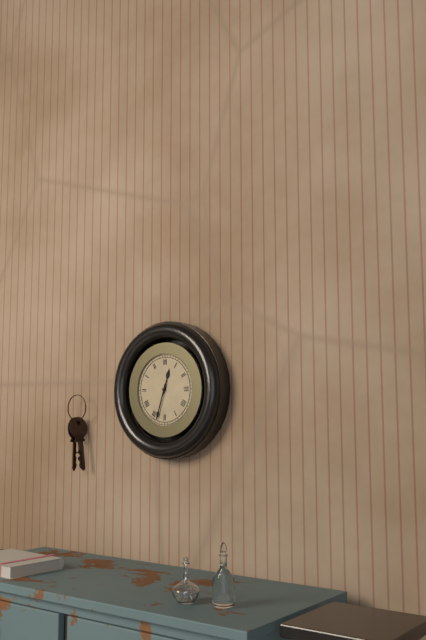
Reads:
h=12 m=33
